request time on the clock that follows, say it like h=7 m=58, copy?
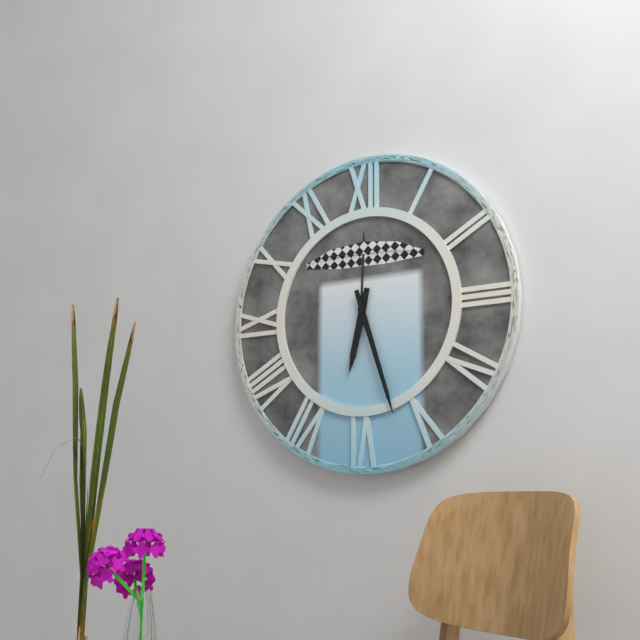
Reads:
h=6 m=27
